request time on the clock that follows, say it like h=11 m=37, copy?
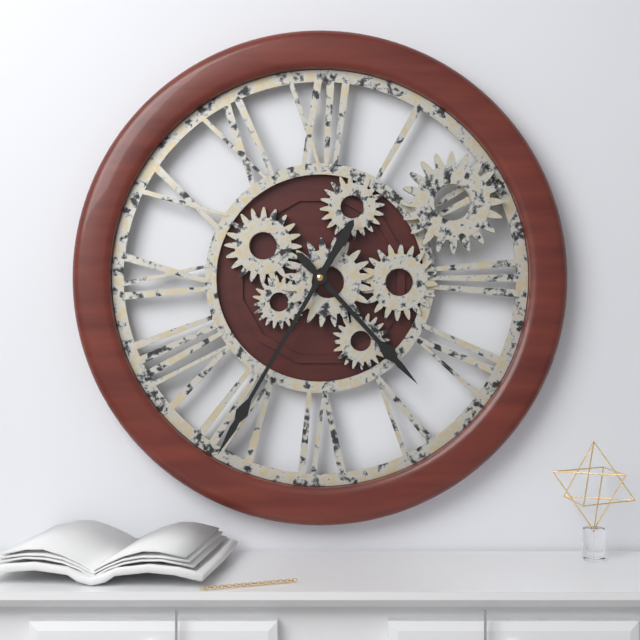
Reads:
h=4 m=35
